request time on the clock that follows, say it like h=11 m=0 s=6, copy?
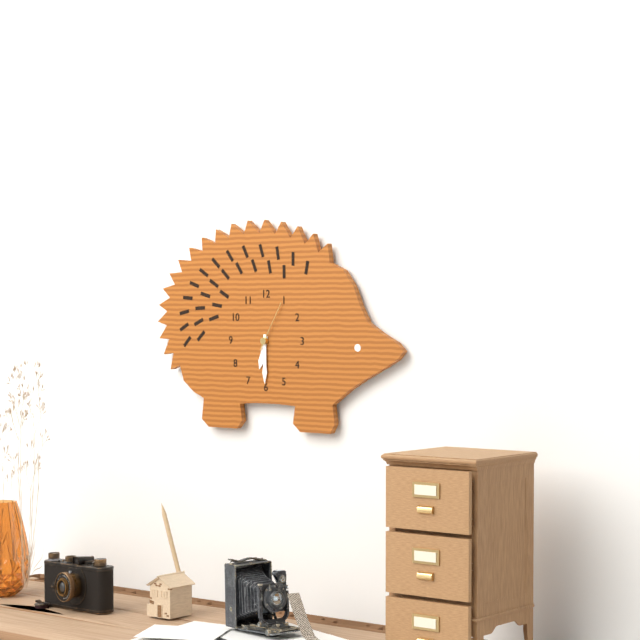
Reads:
h=6 m=30 s=5
